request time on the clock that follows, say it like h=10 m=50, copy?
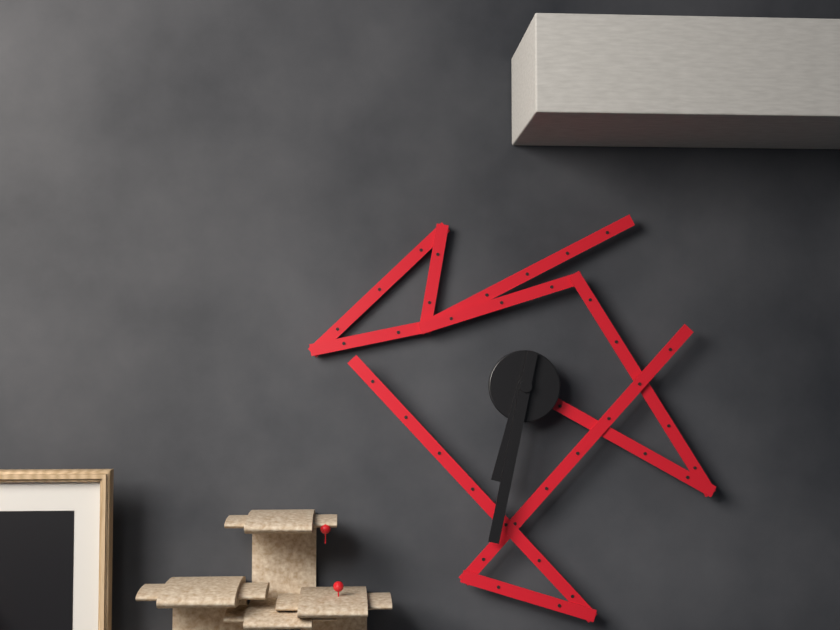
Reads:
h=6 m=32
